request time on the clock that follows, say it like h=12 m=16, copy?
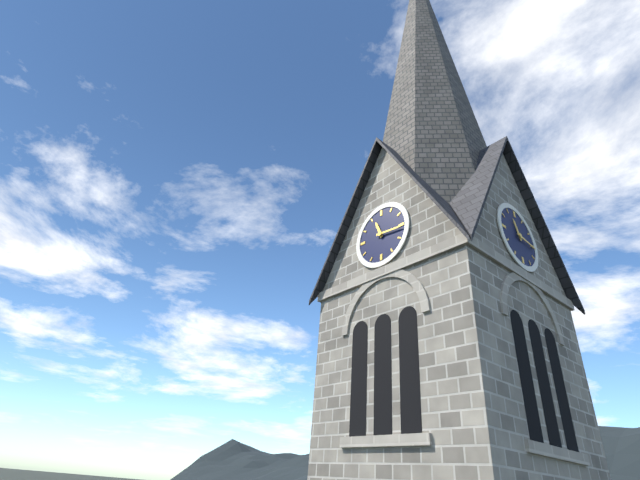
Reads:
h=11 m=16
